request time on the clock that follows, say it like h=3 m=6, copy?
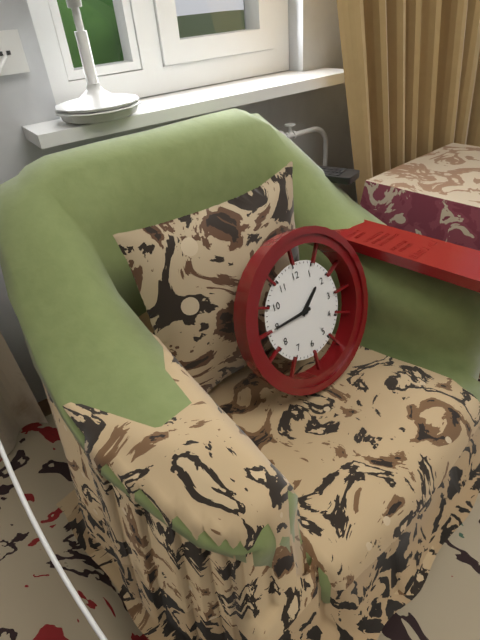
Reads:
h=1 m=45
